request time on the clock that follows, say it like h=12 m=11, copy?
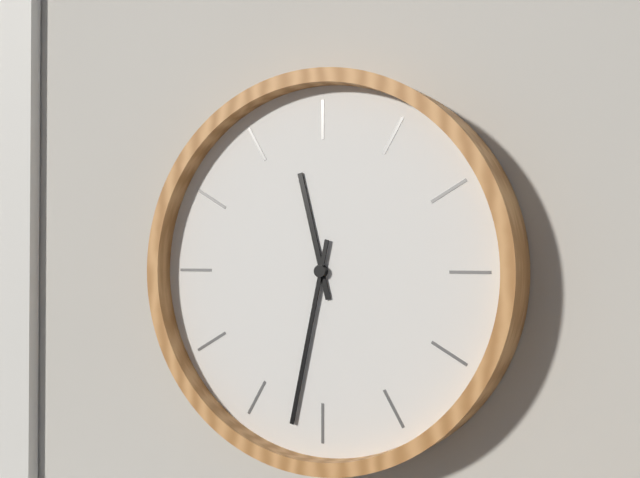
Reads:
h=11 m=32
